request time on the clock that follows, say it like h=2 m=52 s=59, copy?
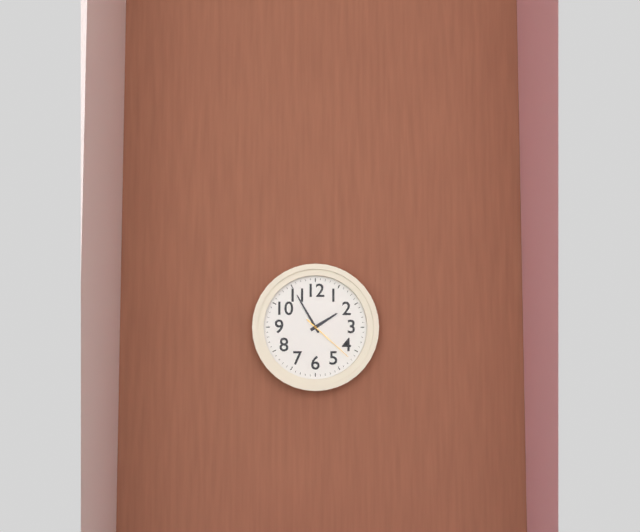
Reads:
h=1 m=55 s=22
